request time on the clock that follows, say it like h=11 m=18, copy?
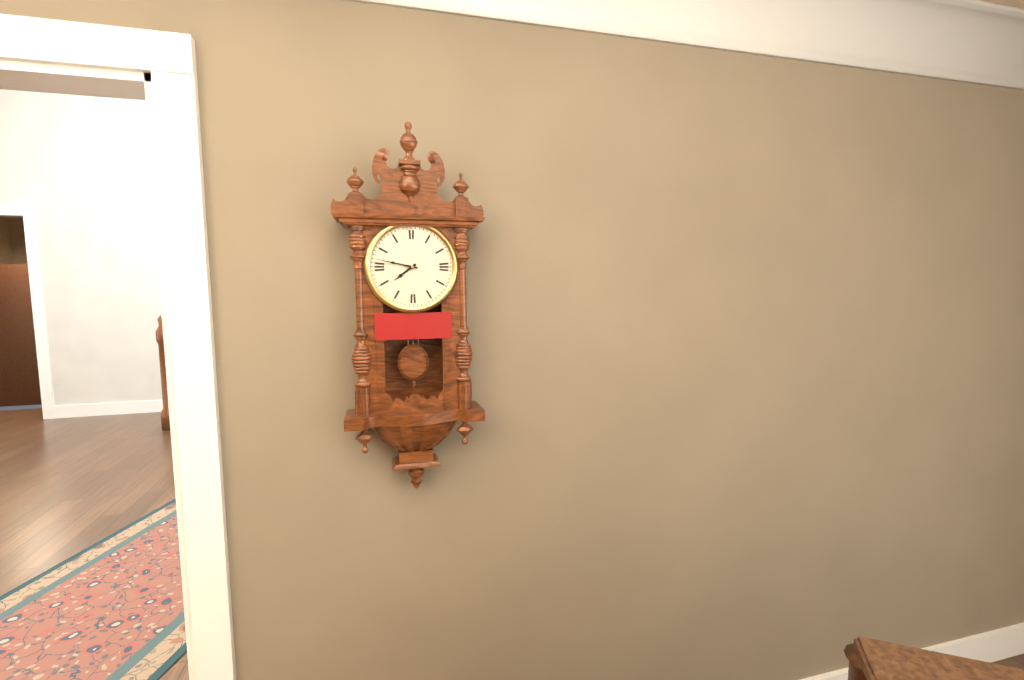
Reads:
h=7 m=47
